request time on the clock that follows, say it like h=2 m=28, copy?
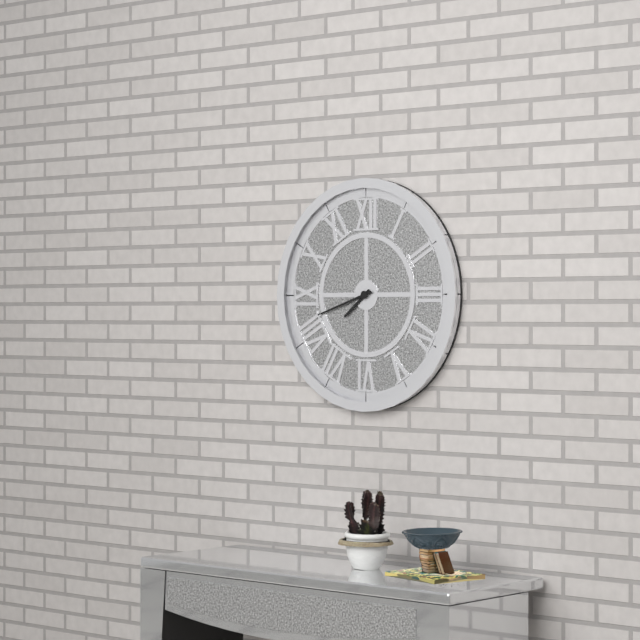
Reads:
h=7 m=42
